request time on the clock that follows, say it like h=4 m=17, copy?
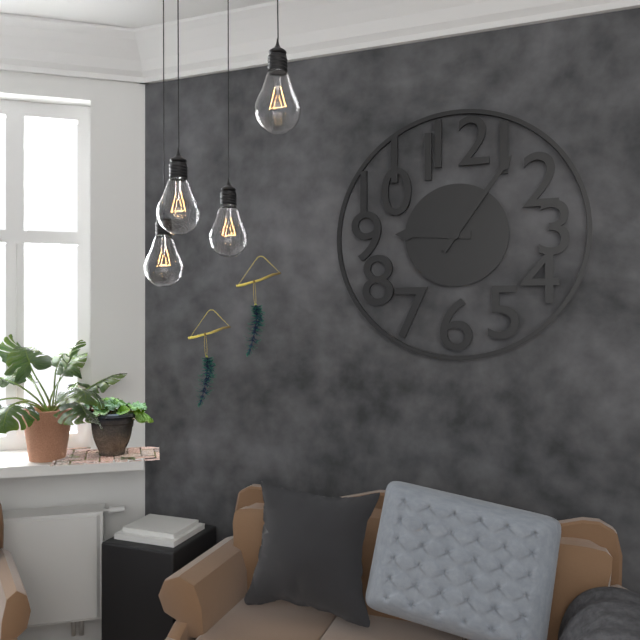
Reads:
h=9 m=6
